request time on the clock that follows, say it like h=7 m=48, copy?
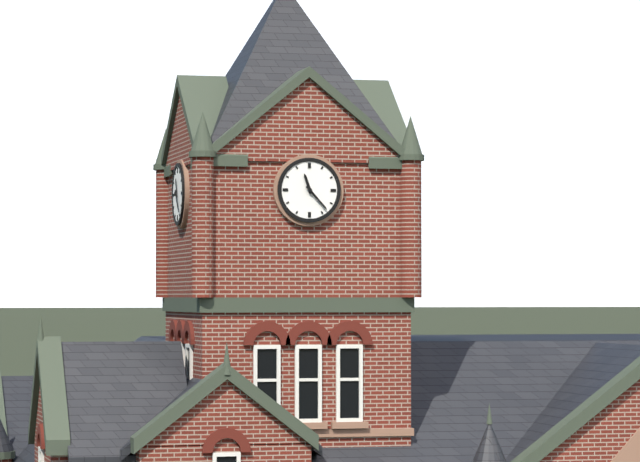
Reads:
h=11 m=23
